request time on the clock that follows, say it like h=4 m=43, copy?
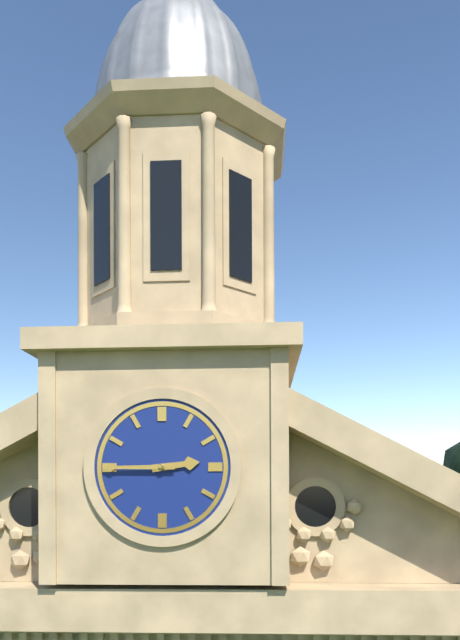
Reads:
h=2 m=45
